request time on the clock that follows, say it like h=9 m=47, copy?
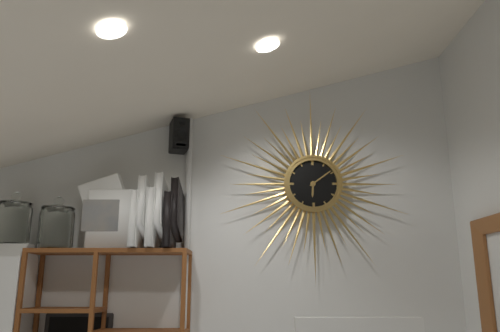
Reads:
h=6 m=9
